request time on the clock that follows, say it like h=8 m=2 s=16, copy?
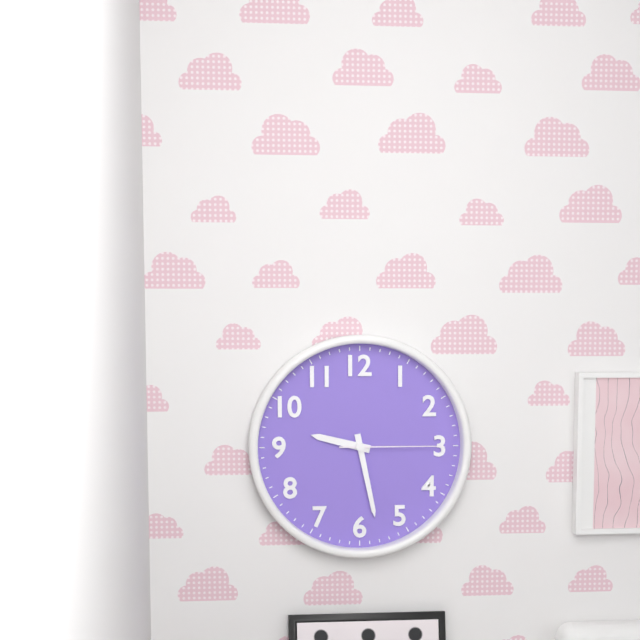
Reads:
h=9 m=28 s=15
